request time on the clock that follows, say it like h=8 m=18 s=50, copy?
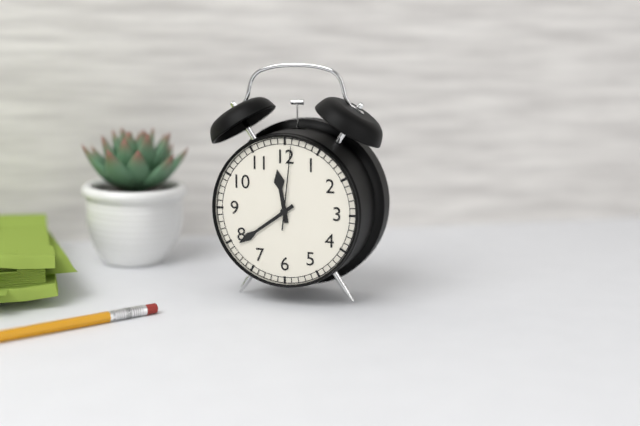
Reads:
h=11 m=39 s=1
